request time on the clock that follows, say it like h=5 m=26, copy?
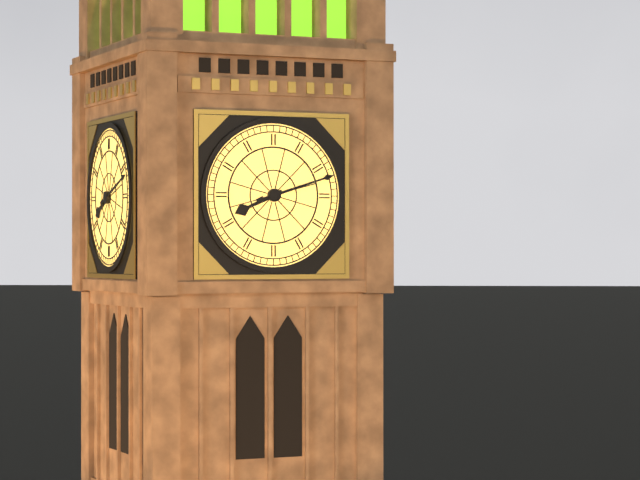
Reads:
h=8 m=12
